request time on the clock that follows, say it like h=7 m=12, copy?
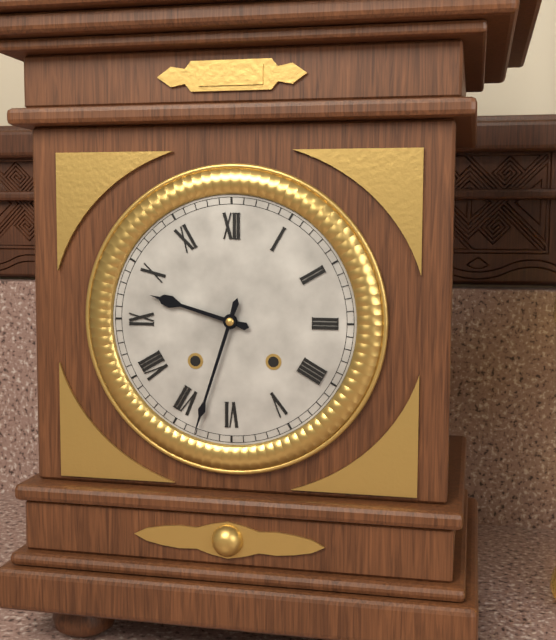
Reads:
h=9 m=33
